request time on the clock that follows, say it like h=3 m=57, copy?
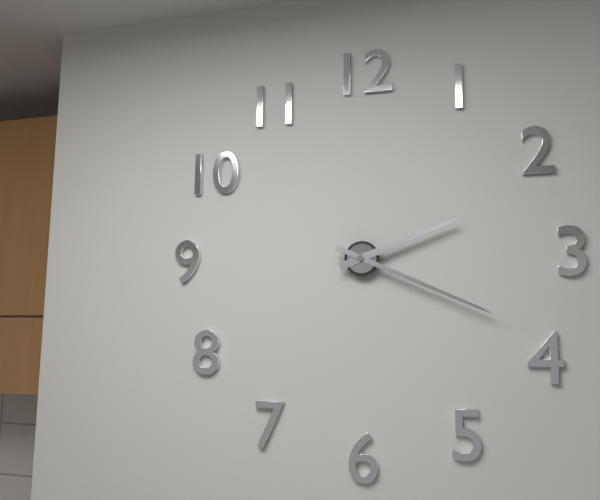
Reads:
h=2 m=19
